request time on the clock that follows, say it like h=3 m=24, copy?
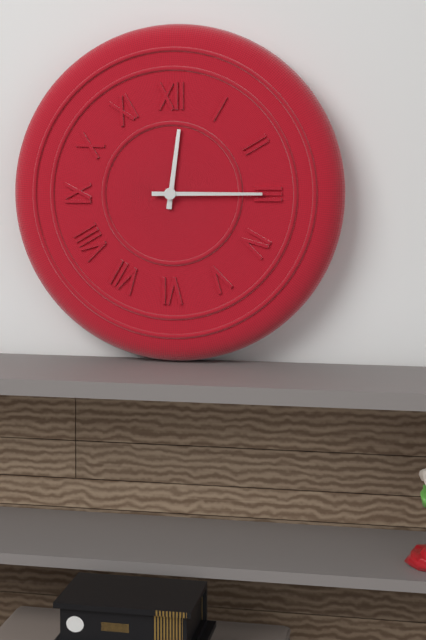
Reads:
h=12 m=15
